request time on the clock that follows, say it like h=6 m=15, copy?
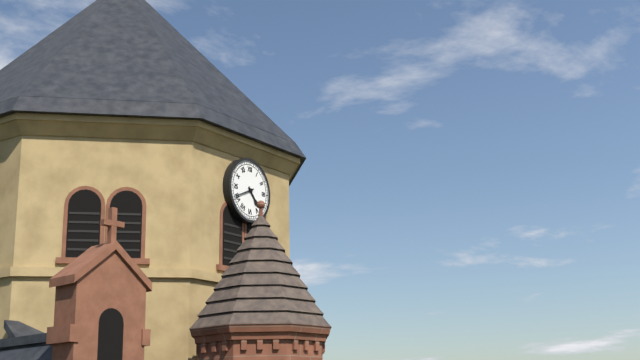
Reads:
h=4 m=41
